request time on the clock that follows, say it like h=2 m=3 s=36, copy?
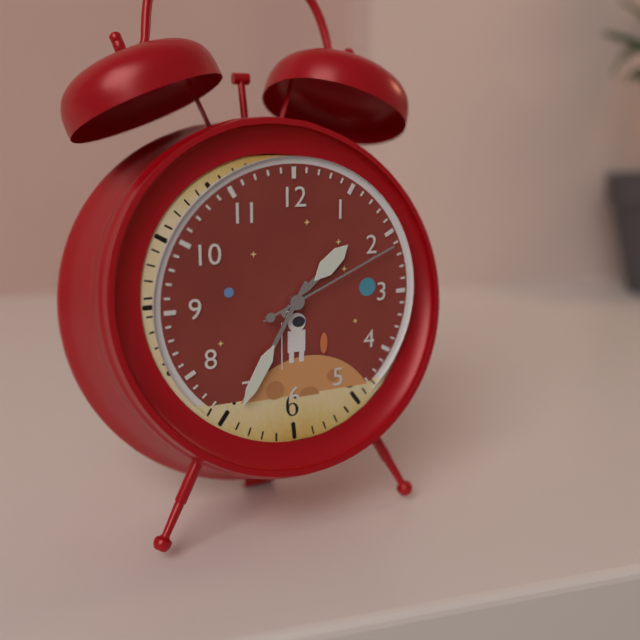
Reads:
h=1 m=35 s=11
